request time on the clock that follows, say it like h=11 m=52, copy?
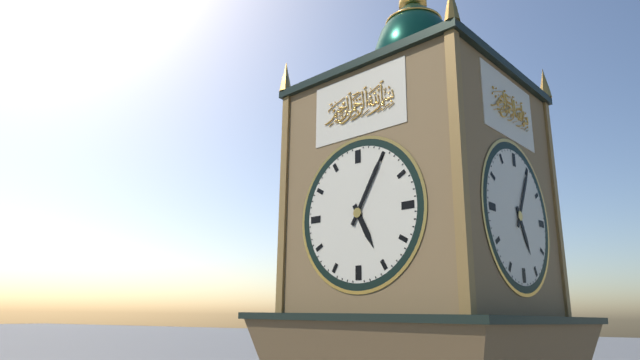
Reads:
h=5 m=5
